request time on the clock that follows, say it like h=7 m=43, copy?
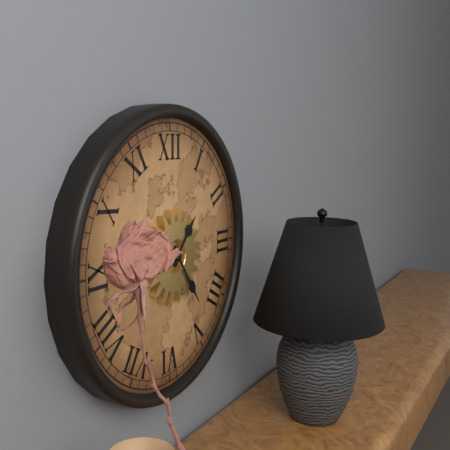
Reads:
h=1 m=24
